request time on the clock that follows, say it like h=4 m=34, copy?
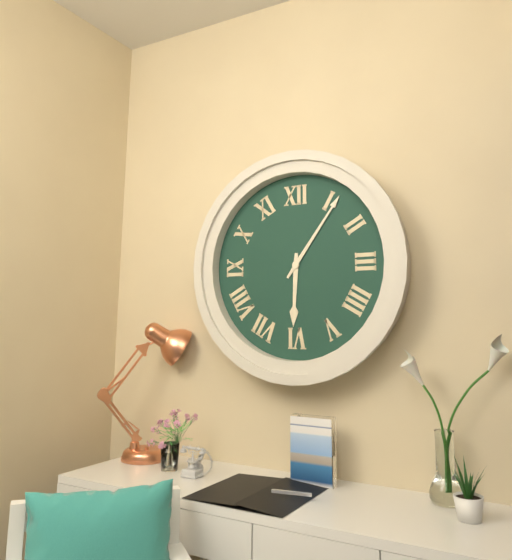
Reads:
h=6 m=6
